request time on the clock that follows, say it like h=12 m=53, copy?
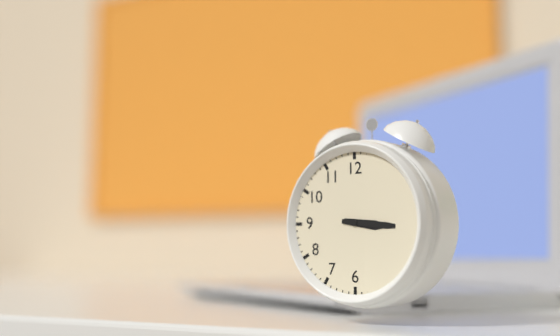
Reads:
h=3 m=16
